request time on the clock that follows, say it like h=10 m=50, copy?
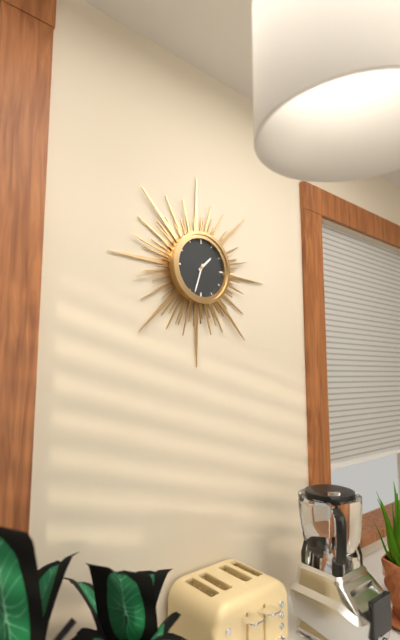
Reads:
h=1 m=33
